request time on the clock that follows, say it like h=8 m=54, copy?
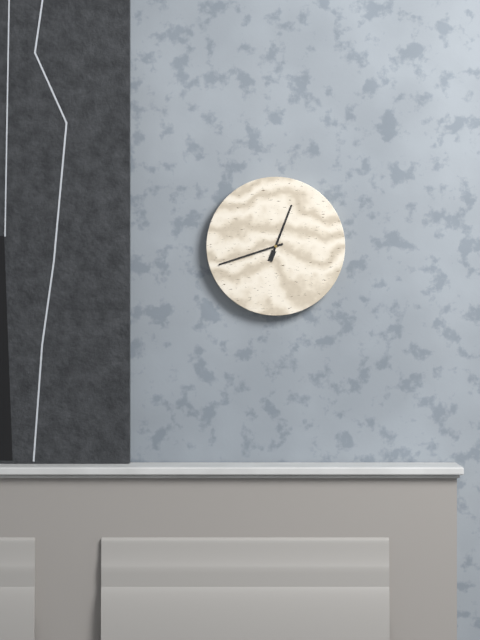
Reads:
h=12 m=42
